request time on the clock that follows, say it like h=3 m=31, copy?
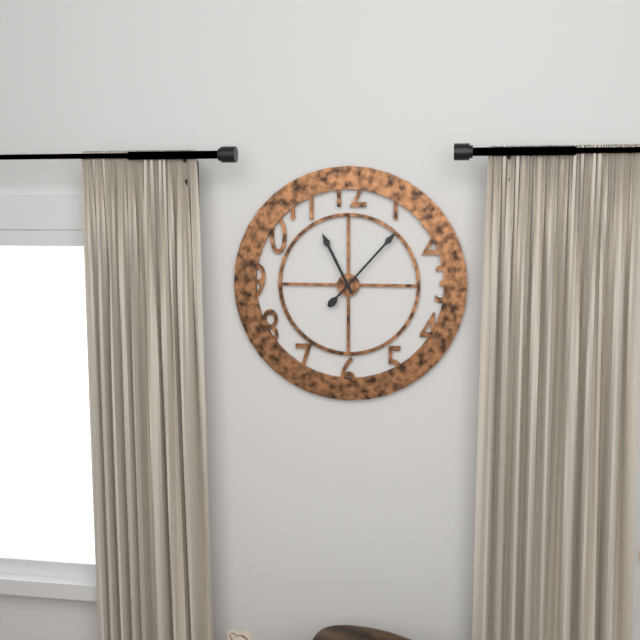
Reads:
h=11 m=7
